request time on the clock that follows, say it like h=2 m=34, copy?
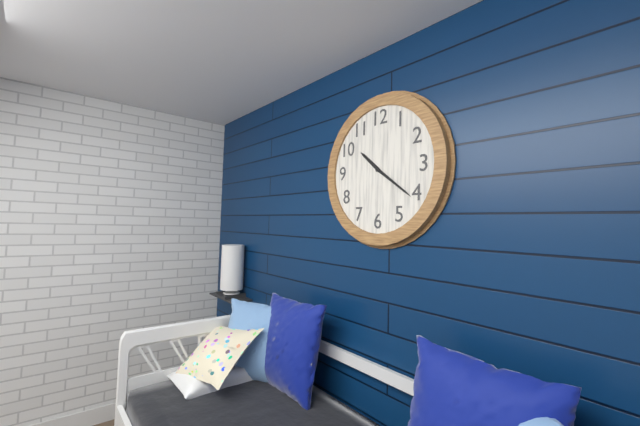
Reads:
h=10 m=21
